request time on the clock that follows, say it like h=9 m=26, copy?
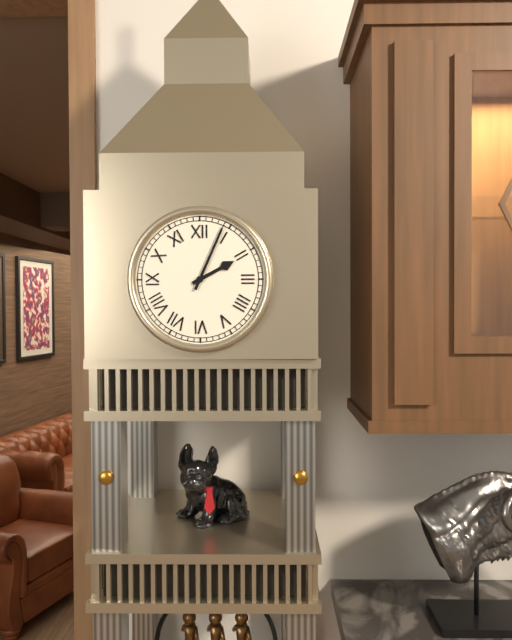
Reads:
h=2 m=4
